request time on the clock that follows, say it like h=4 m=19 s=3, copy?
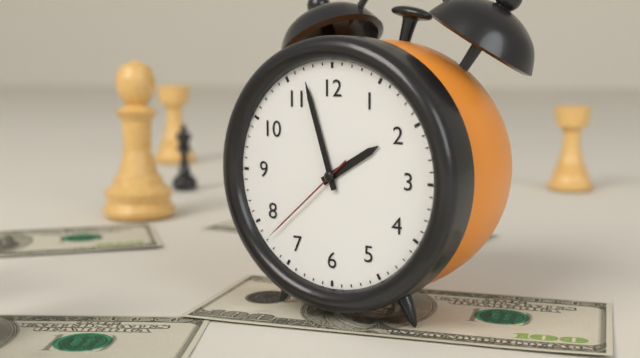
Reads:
h=1 m=57 s=38
